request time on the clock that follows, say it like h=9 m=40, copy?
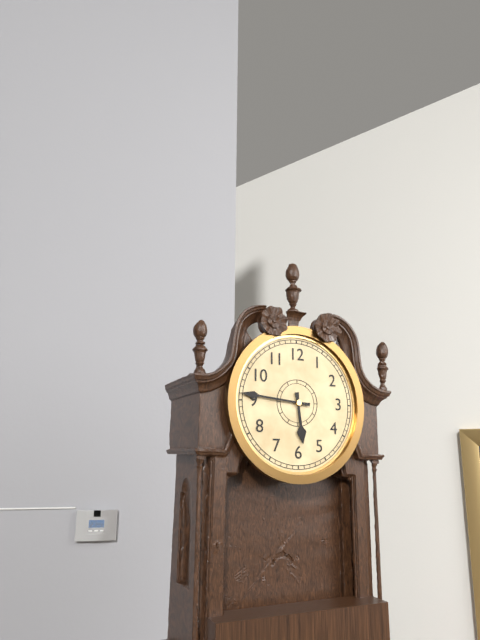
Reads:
h=5 m=46
